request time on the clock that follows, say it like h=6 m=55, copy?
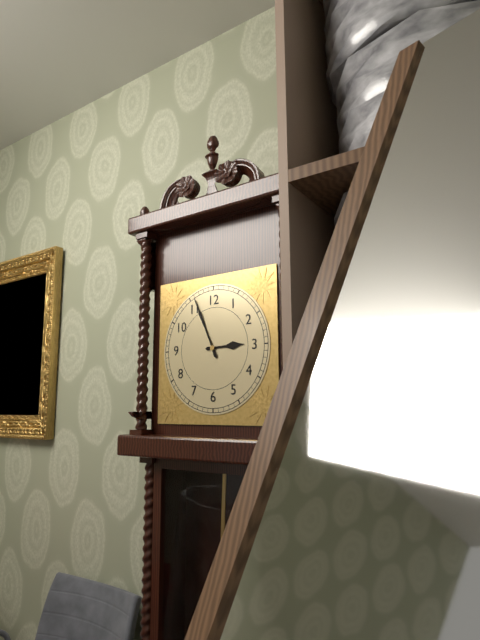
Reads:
h=2 m=56
